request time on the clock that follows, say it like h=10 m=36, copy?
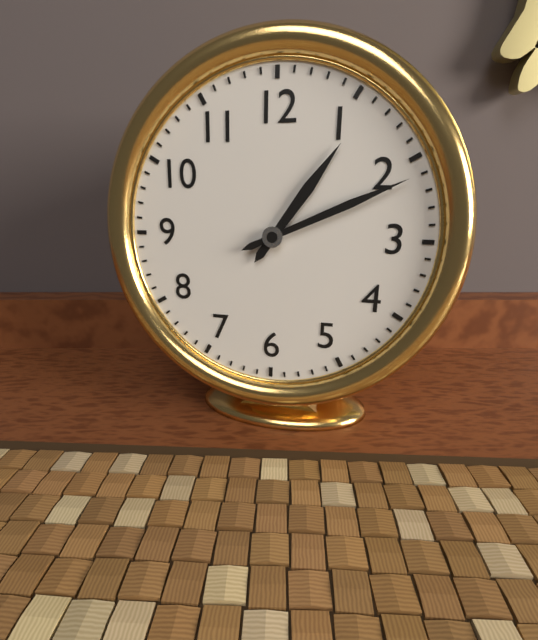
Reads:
h=1 m=11
